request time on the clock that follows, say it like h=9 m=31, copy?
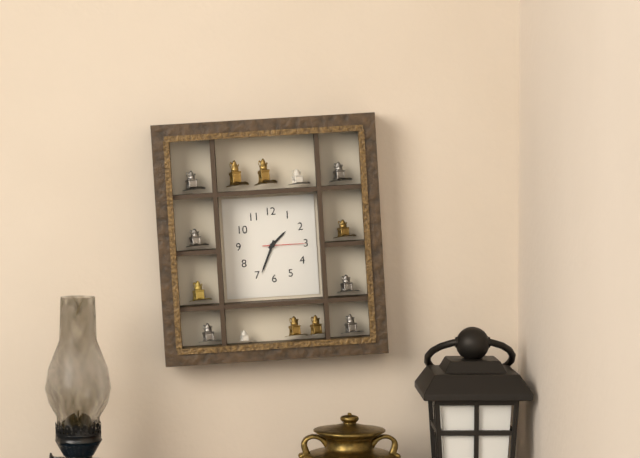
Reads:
h=1 m=34
